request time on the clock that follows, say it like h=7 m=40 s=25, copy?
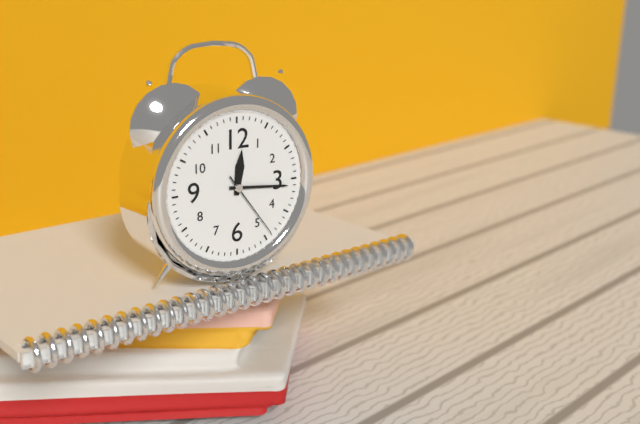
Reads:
h=12 m=16 s=24
